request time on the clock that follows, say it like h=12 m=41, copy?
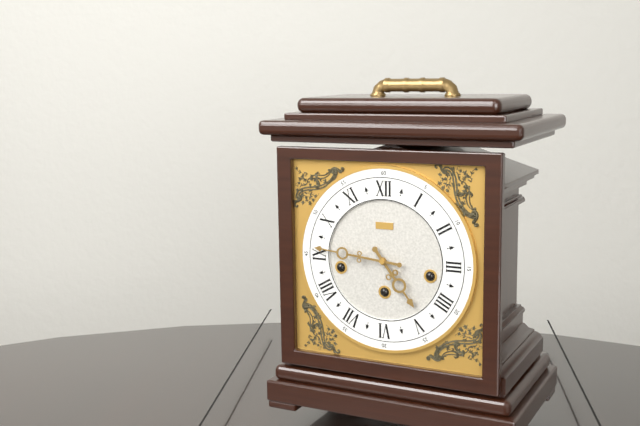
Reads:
h=4 m=46
